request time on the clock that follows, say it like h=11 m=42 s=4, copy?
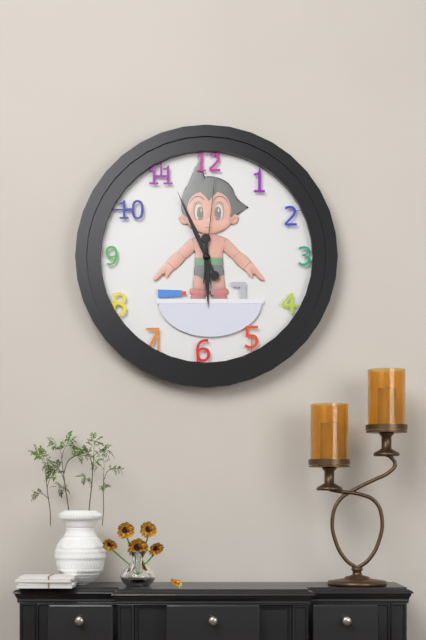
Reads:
h=5 m=56 s=1
